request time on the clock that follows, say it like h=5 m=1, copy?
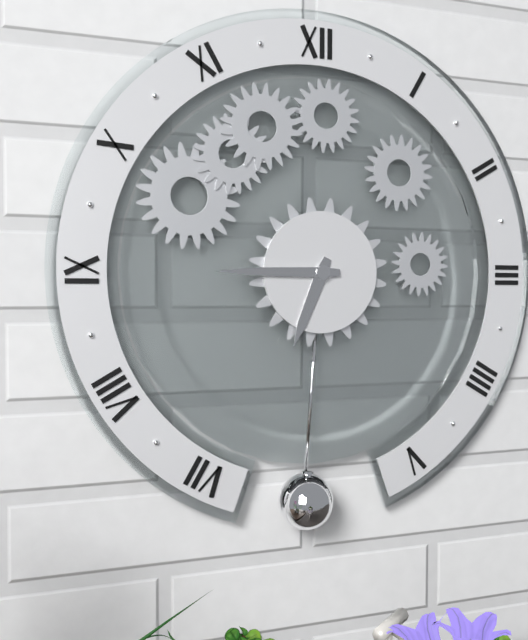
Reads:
h=6 m=45
